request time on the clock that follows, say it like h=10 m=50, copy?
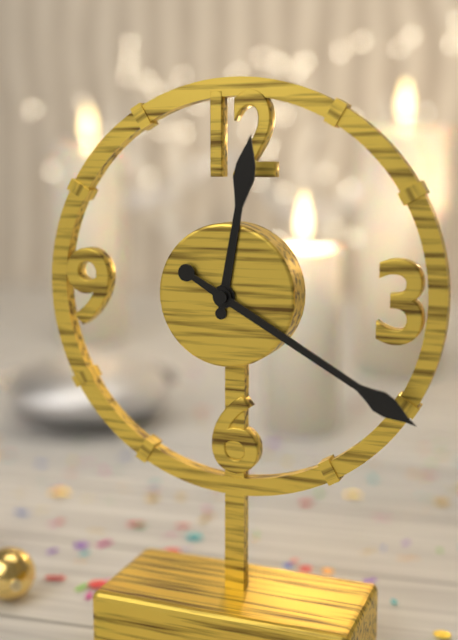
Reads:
h=12 m=20
